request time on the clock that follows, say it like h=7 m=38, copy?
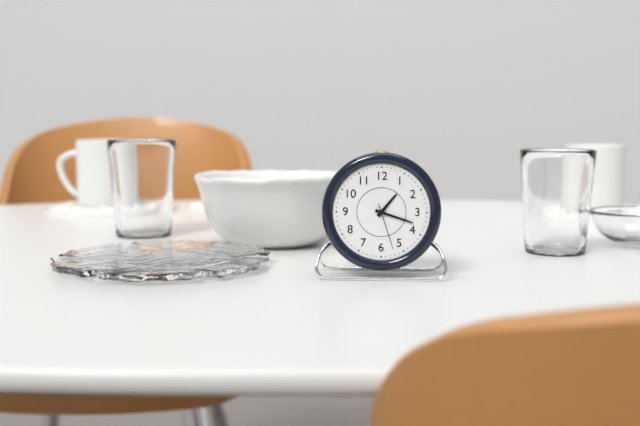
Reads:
h=1 m=18
